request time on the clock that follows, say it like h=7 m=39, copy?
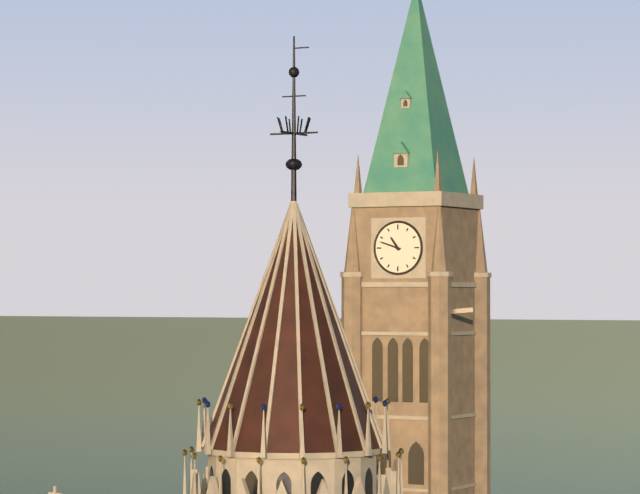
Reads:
h=10 m=48
